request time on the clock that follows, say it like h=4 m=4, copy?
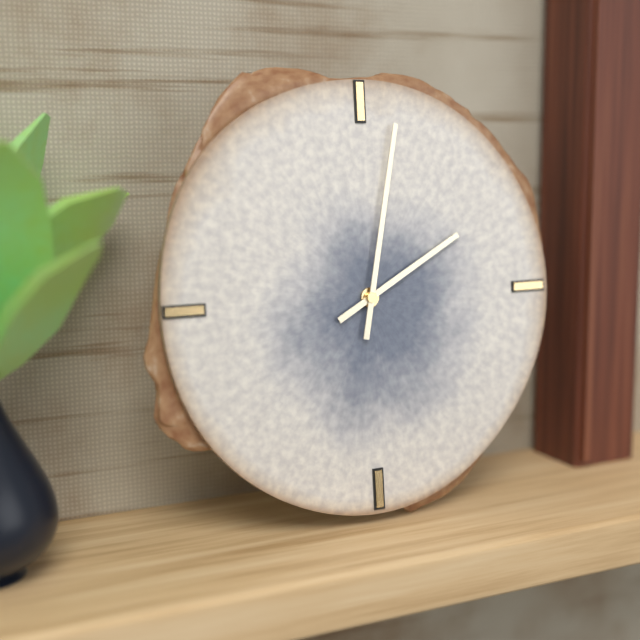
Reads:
h=2 m=2
